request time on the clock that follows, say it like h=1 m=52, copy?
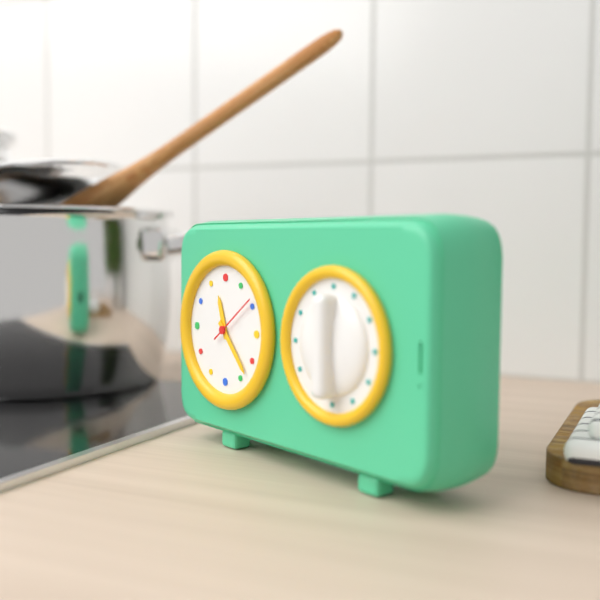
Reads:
h=11 m=23
